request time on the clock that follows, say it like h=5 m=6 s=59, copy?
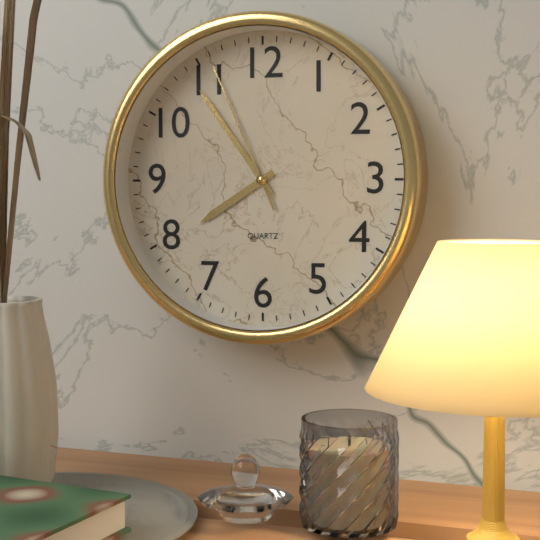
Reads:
h=7 m=54 s=56
